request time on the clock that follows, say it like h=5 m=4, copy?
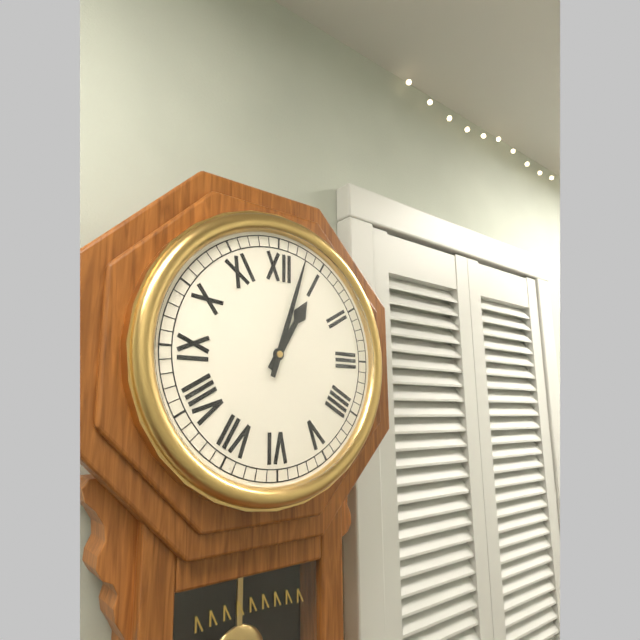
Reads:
h=1 m=3
